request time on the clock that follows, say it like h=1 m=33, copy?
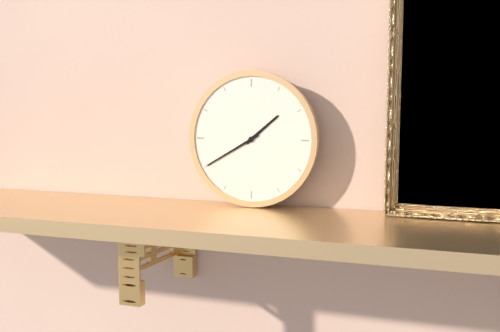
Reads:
h=1 m=40
